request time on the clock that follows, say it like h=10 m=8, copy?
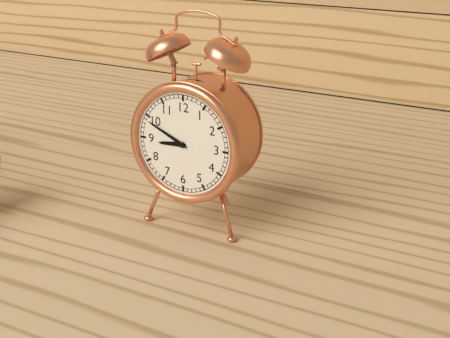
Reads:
h=8 m=49
